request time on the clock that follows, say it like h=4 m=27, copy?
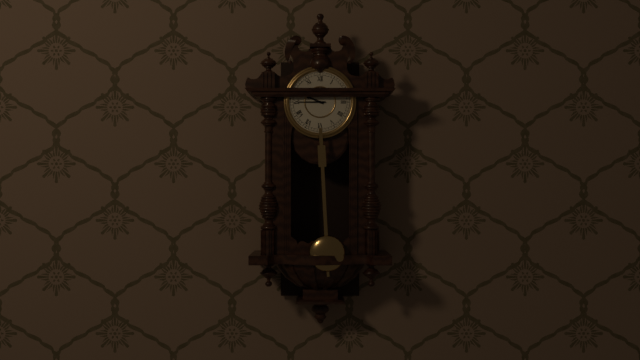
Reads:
h=9 m=45
